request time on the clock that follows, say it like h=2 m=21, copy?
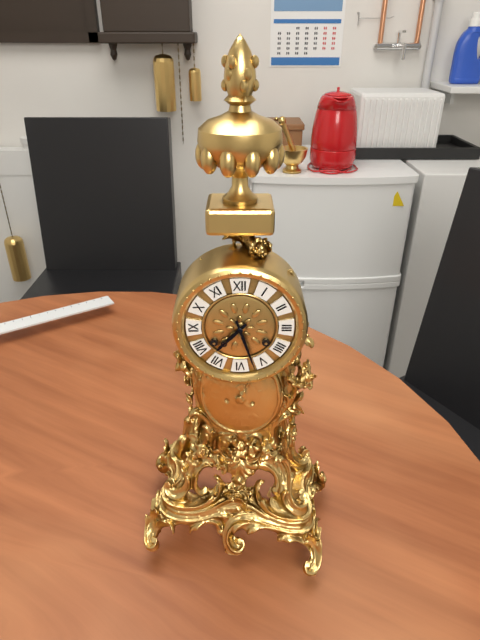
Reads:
h=7 m=27
